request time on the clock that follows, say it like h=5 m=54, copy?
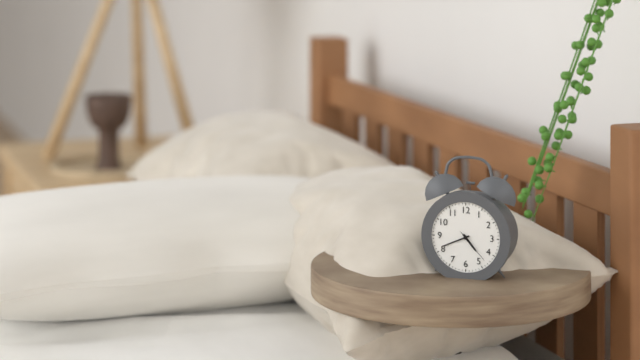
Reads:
h=4 m=41
